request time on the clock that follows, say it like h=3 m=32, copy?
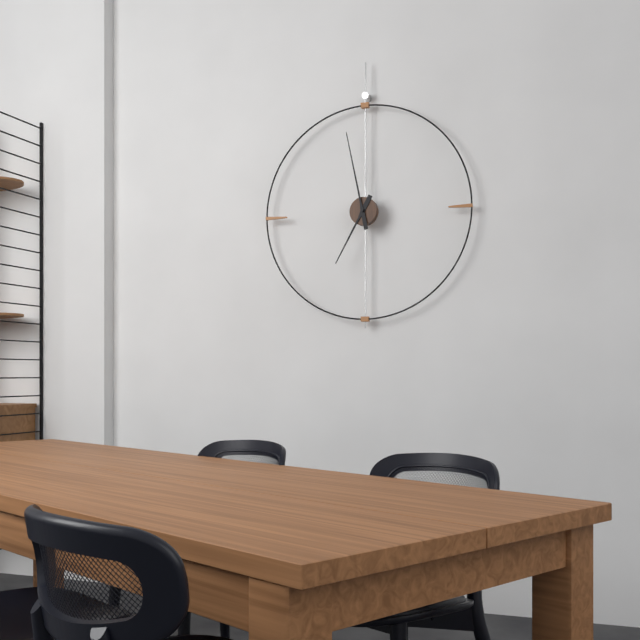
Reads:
h=6 m=58
